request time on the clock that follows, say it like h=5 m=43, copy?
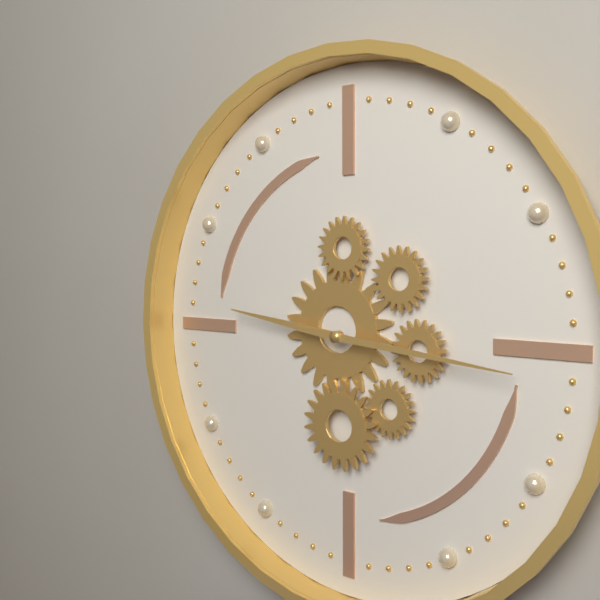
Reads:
h=9 m=16
